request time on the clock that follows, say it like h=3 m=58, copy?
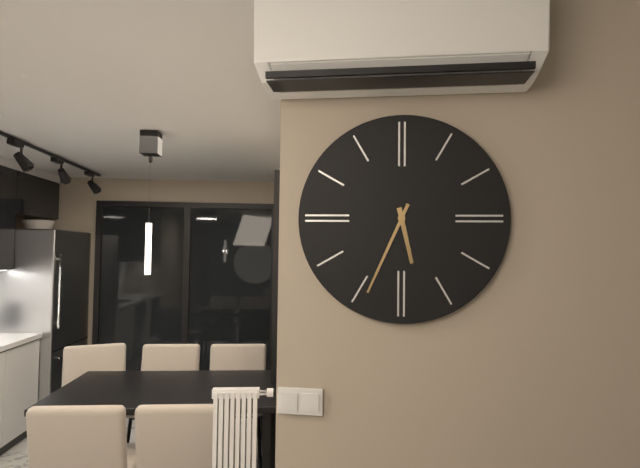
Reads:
h=5 m=34
